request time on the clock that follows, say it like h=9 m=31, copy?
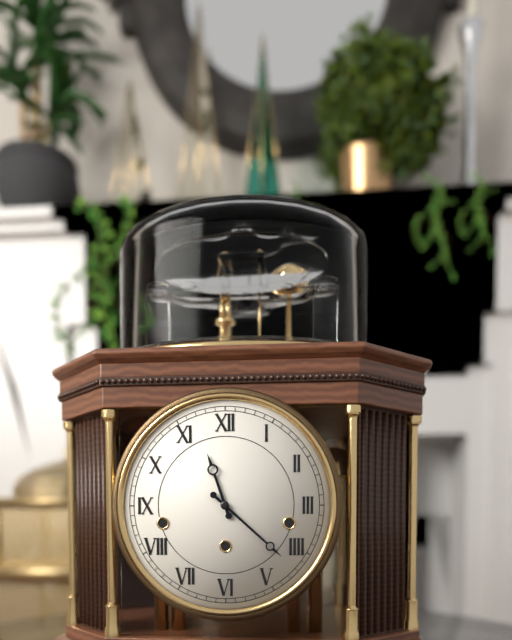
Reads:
h=11 m=22
